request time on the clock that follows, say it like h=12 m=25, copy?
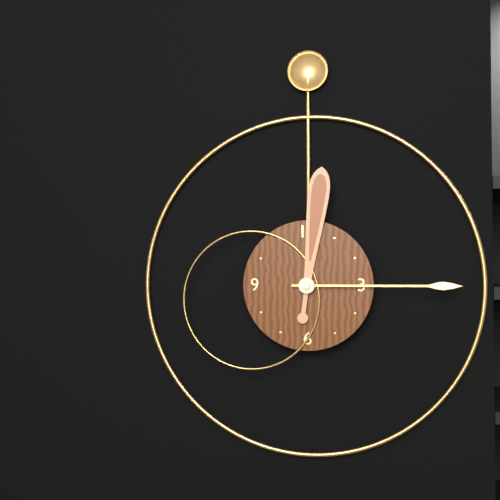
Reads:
h=12 m=15
